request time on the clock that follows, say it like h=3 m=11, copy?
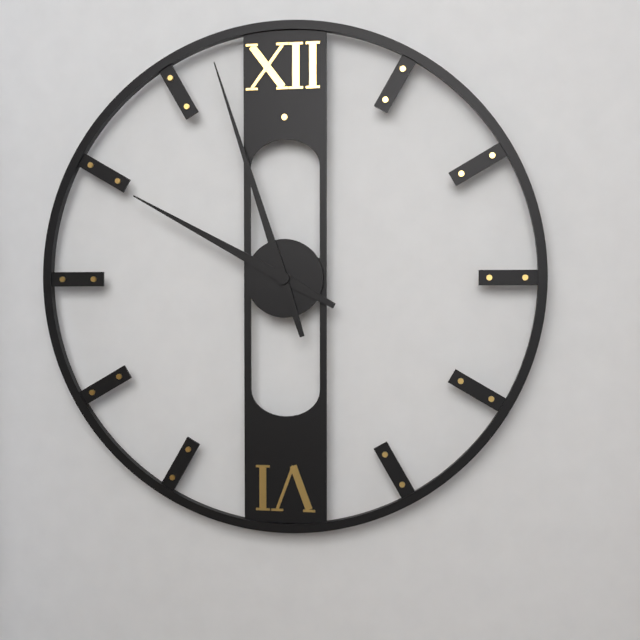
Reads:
h=9 m=57
